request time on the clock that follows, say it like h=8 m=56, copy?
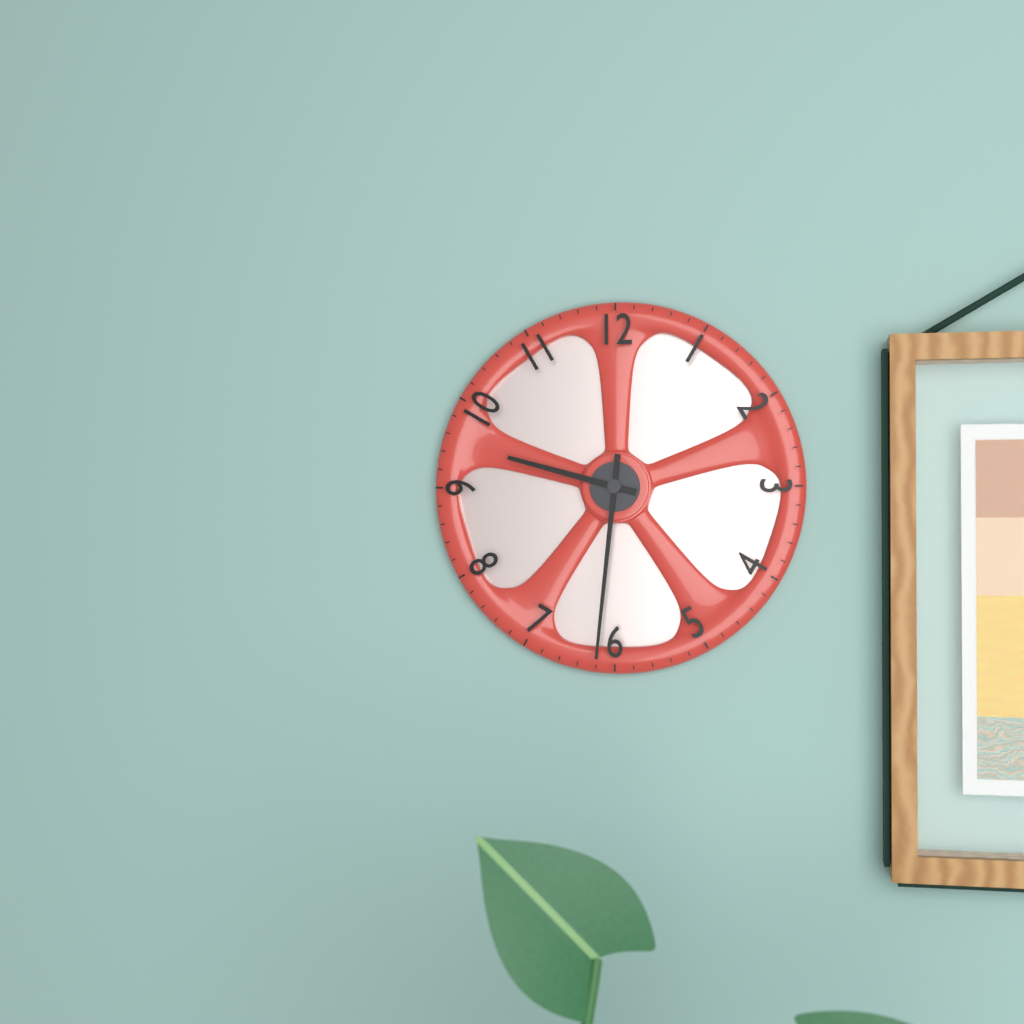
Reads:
h=9 m=31
